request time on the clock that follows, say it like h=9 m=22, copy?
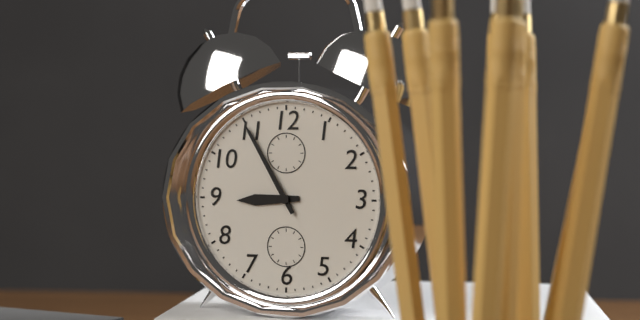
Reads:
h=8 m=55
